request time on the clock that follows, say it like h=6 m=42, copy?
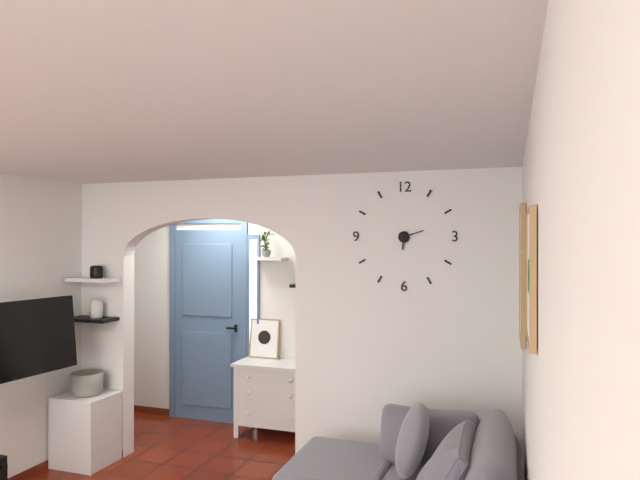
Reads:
h=6 m=12
